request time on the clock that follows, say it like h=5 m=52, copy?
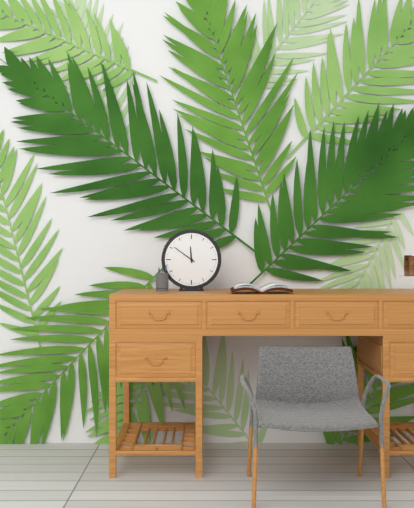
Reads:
h=11 m=51
